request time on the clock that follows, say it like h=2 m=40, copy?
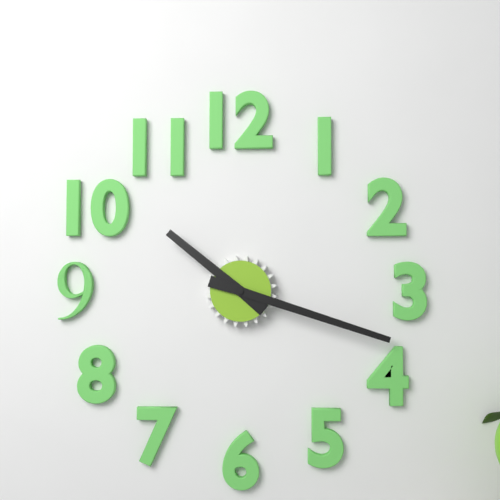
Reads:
h=10 m=18
